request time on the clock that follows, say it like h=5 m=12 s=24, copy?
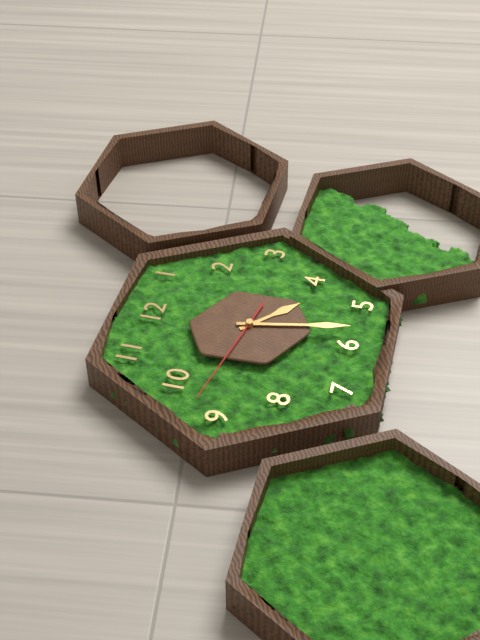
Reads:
h=4 m=28 s=47
